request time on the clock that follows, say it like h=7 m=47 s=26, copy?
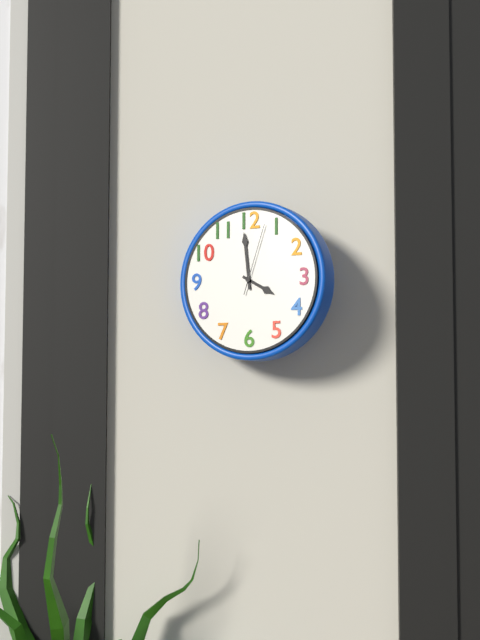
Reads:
h=3 m=59 s=3
